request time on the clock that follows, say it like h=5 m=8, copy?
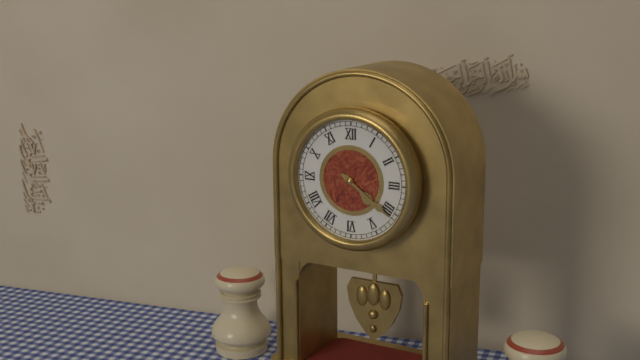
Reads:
h=4 m=21
